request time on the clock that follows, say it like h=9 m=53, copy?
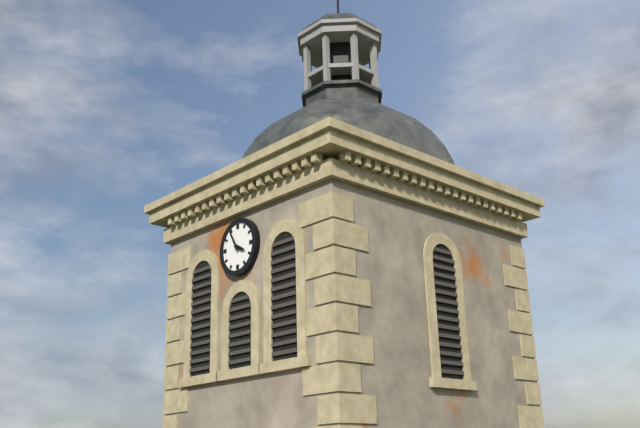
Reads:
h=3 m=55
